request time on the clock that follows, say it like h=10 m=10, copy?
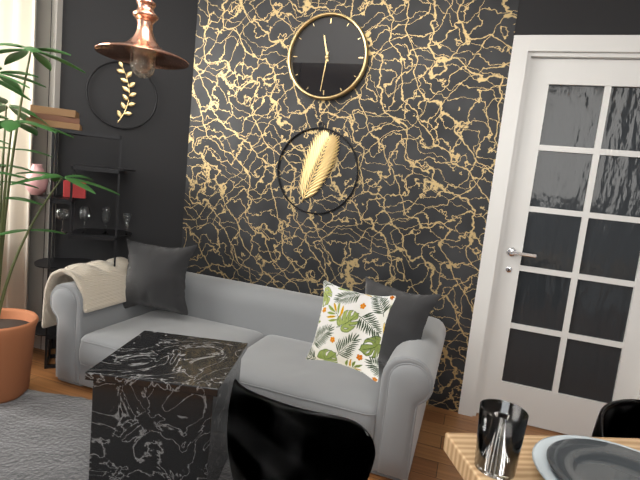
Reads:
h=11 m=31
